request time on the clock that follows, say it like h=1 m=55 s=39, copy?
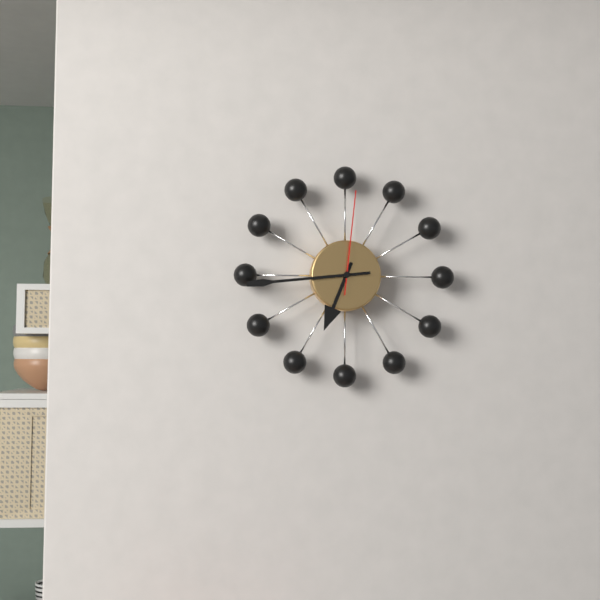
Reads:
h=6 m=44 s=1
